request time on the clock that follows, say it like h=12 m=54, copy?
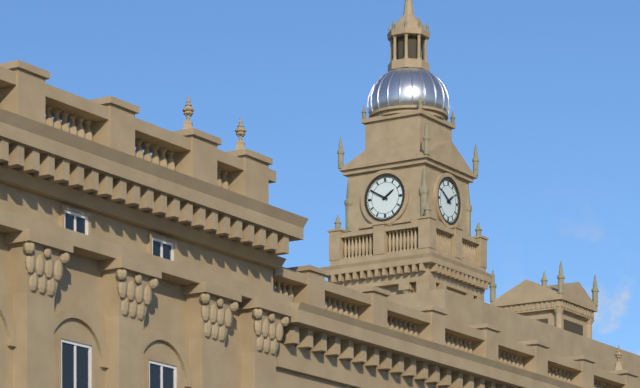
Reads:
h=1 m=50
